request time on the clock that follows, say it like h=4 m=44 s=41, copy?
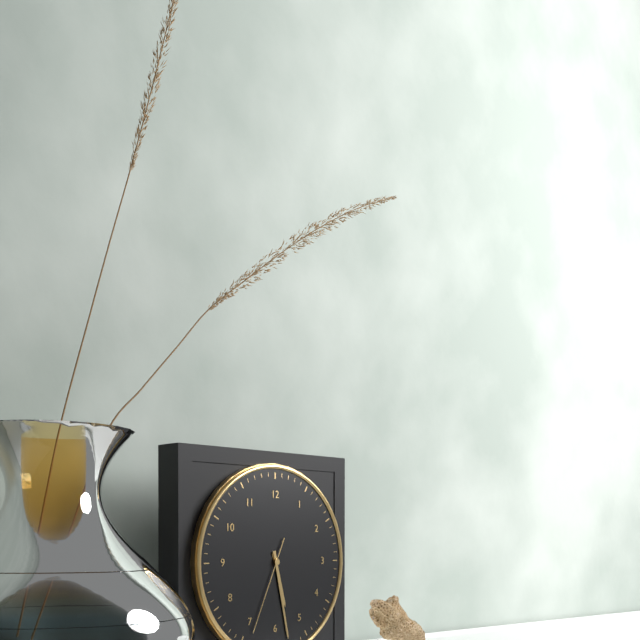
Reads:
h=5 m=28 s=34
